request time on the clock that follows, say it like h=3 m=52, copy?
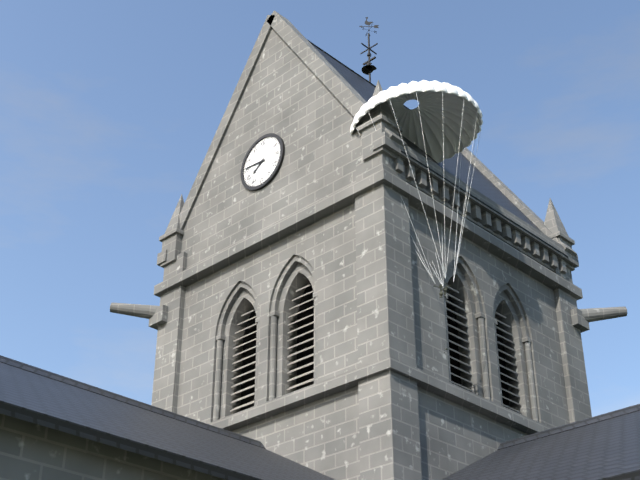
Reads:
h=7 m=46
